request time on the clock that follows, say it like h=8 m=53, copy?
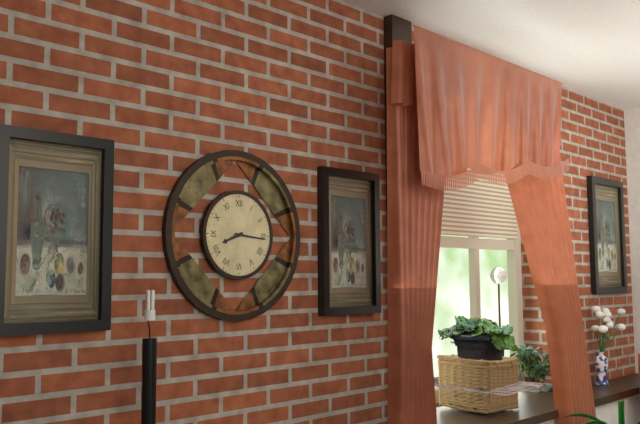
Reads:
h=8 m=16
